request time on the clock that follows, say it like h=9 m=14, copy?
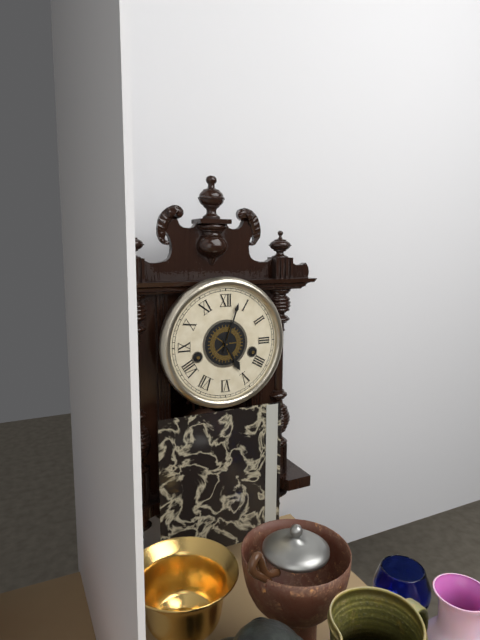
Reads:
h=5 m=3
